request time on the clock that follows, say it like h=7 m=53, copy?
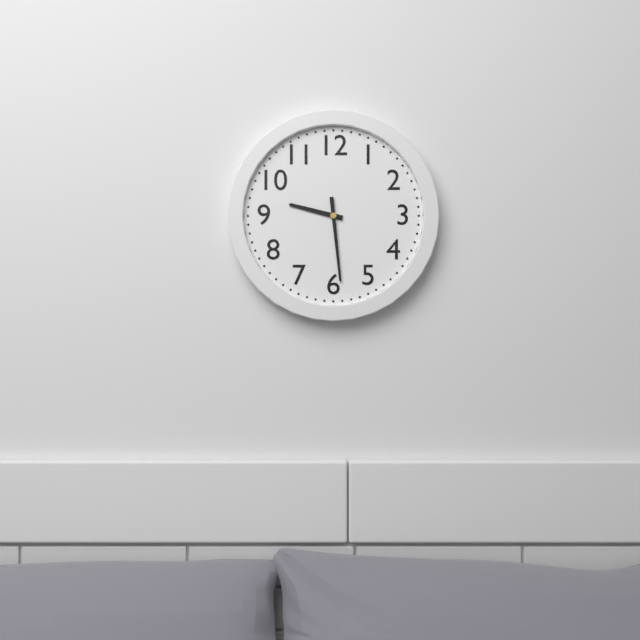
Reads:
h=9 m=29
